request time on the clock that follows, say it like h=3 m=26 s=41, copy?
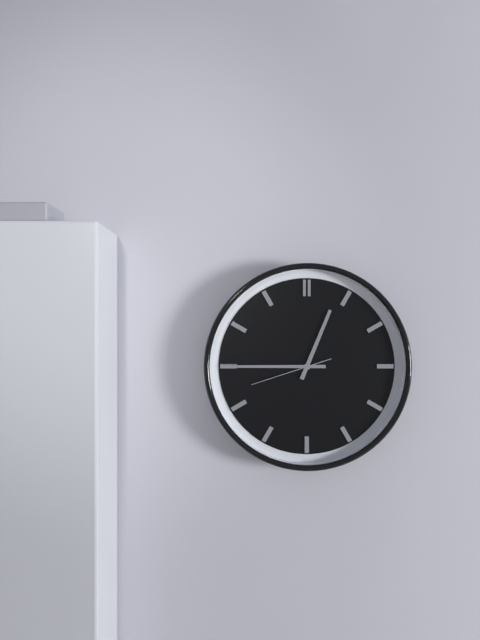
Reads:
h=12 m=45 s=42
